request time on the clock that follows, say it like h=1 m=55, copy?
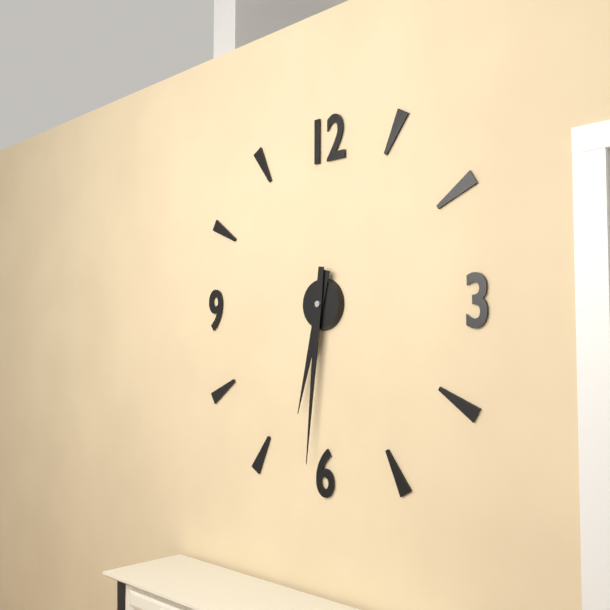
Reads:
h=6 m=31
